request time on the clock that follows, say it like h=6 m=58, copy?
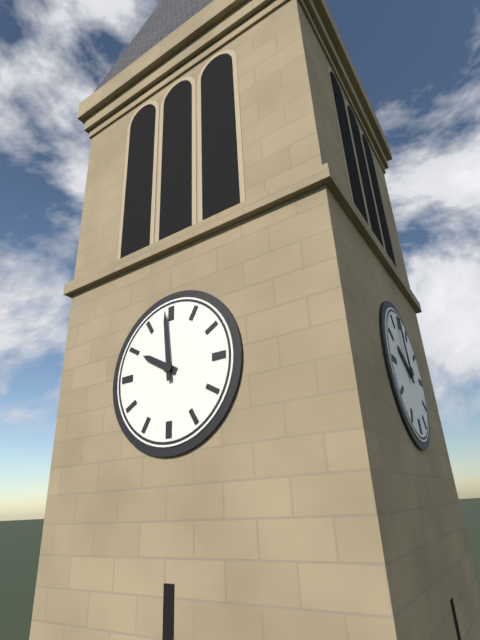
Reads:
h=9 m=59
